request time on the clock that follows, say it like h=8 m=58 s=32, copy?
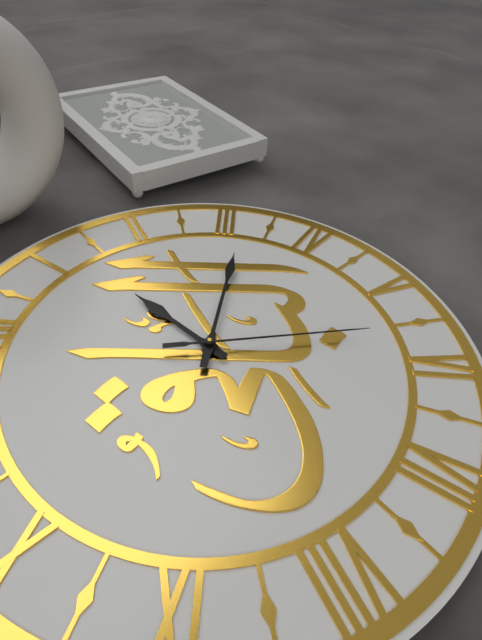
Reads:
h=1 m=16 s=28
